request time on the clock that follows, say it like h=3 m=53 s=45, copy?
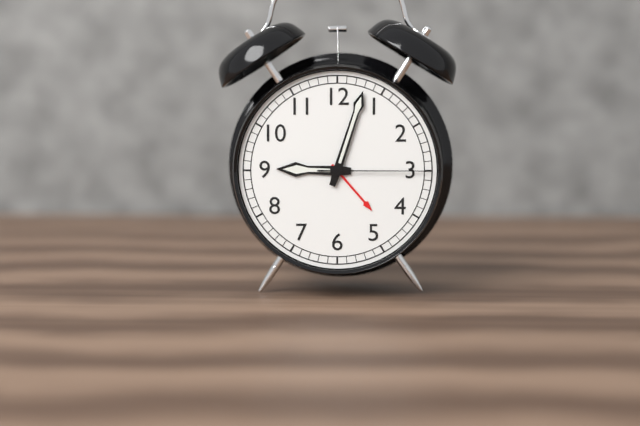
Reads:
h=9 m=3 s=15
